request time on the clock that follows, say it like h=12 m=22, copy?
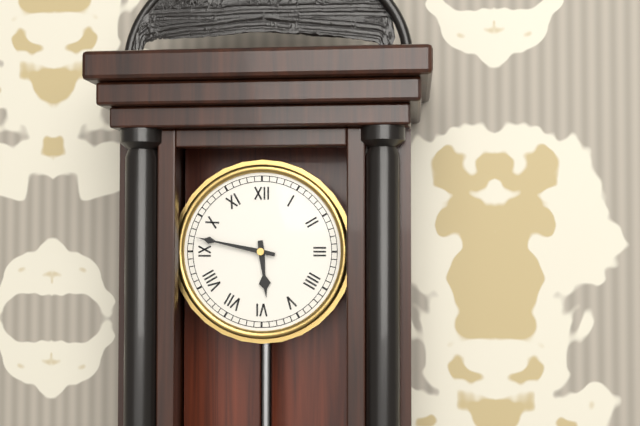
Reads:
h=5 m=47
